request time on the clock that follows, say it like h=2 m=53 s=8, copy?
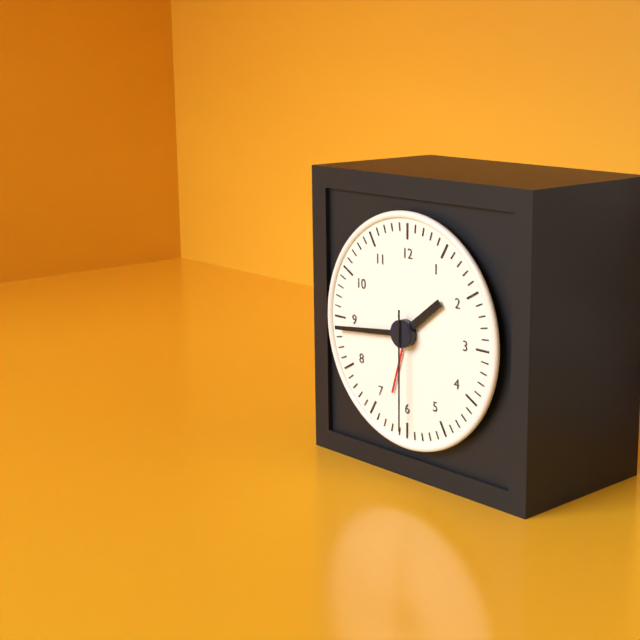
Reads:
h=1 m=44 s=30
